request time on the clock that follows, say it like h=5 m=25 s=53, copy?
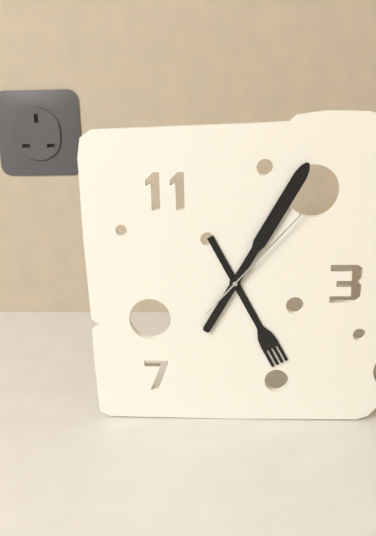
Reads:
h=5 m=5 s=7
